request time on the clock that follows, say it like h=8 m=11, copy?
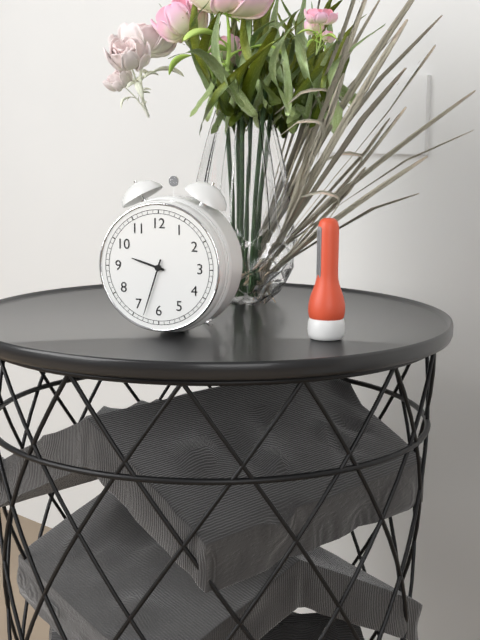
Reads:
h=9 m=33
